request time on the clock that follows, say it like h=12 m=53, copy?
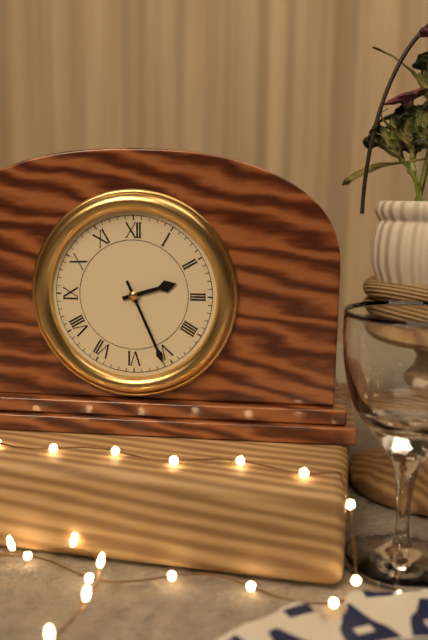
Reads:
h=2 m=26
